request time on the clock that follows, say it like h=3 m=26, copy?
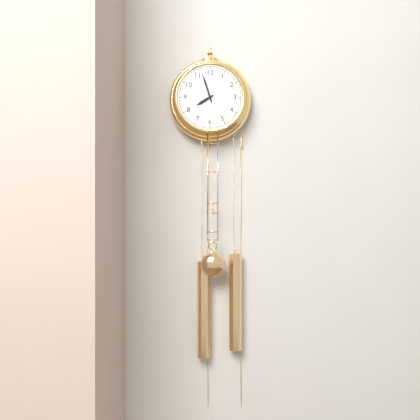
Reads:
h=7 m=57
